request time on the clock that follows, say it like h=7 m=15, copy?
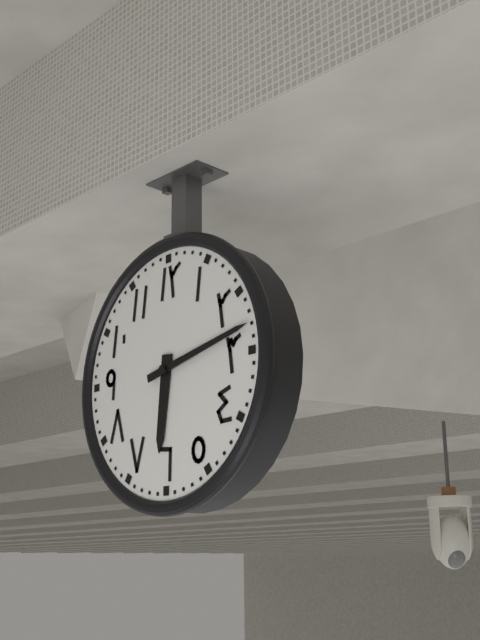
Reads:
h=6 m=13
